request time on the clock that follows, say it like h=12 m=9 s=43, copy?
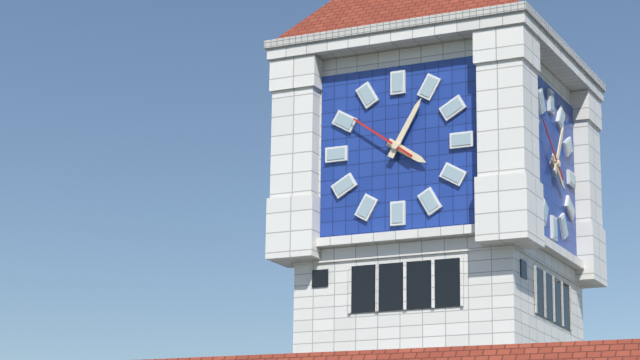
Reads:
h=4 m=5 s=51
